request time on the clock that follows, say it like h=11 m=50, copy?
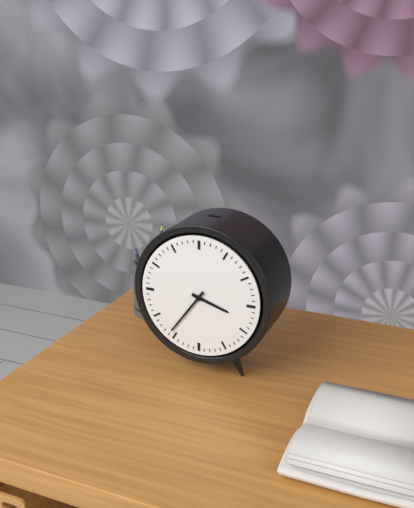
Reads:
h=3 m=36
